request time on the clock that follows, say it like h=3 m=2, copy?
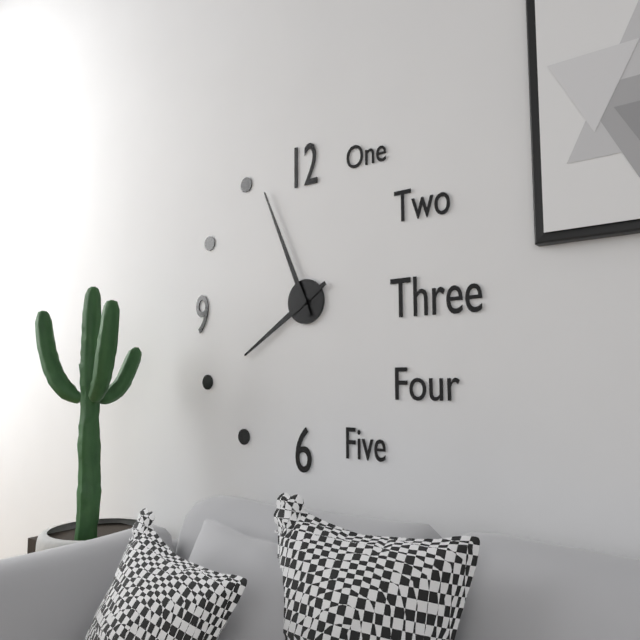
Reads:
h=7 m=56
